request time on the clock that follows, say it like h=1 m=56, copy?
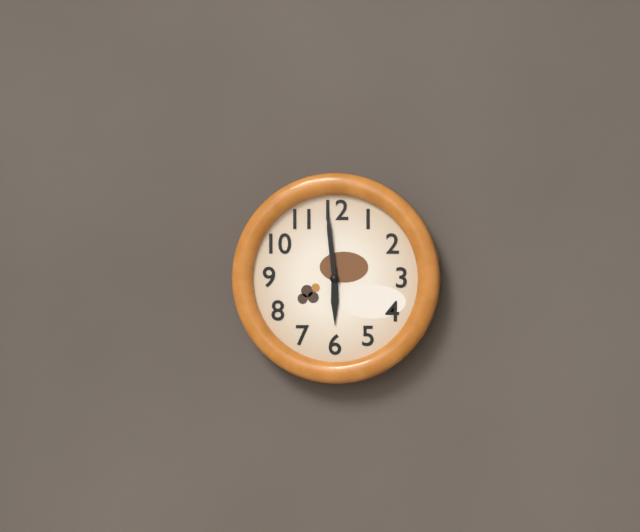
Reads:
h=5 m=59
